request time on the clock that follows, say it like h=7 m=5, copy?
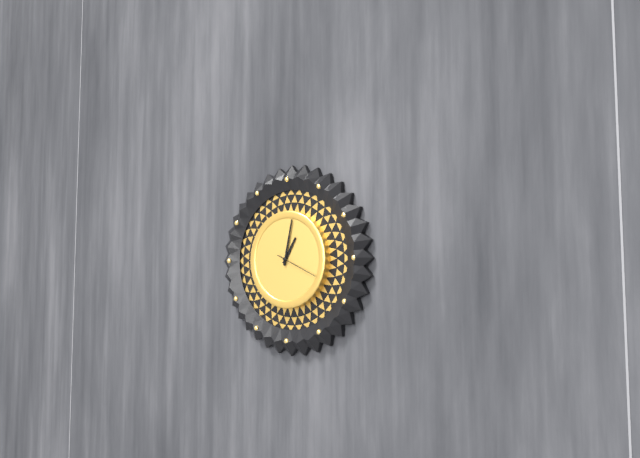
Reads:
h=1 m=2
